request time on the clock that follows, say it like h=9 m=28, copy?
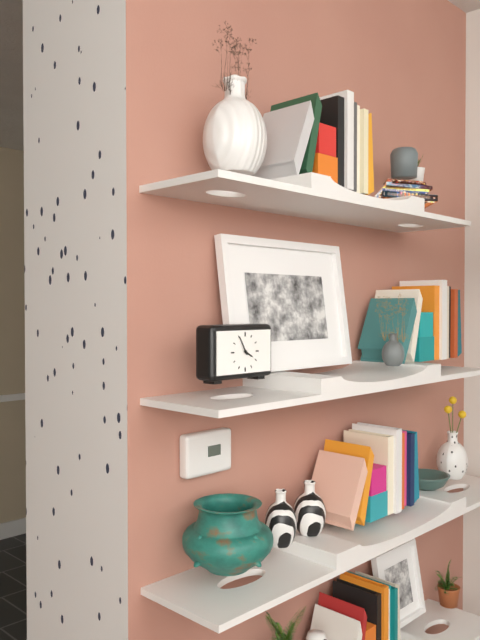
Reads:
h=3 m=55
